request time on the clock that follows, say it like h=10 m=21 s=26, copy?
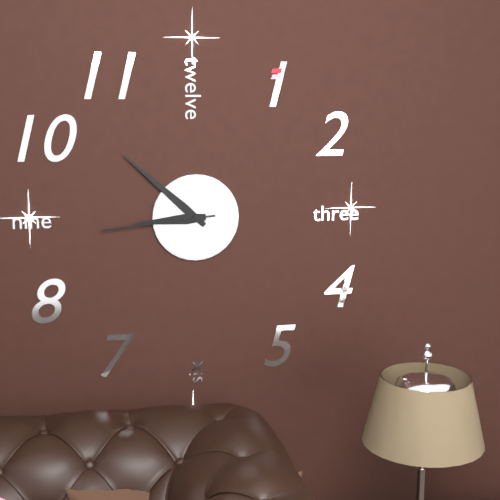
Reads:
h=8 m=52 s=44
